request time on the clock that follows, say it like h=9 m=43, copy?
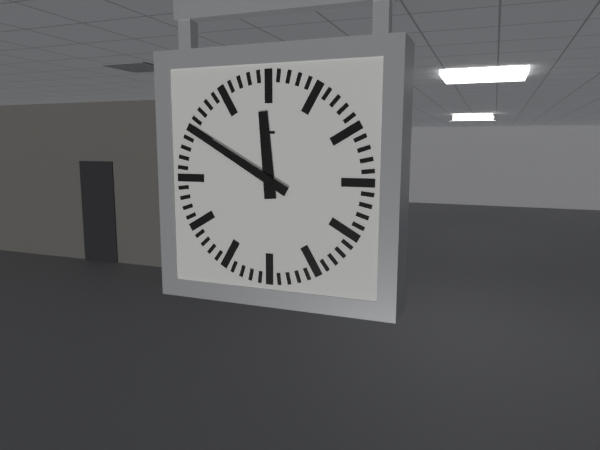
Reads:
h=11 m=50
